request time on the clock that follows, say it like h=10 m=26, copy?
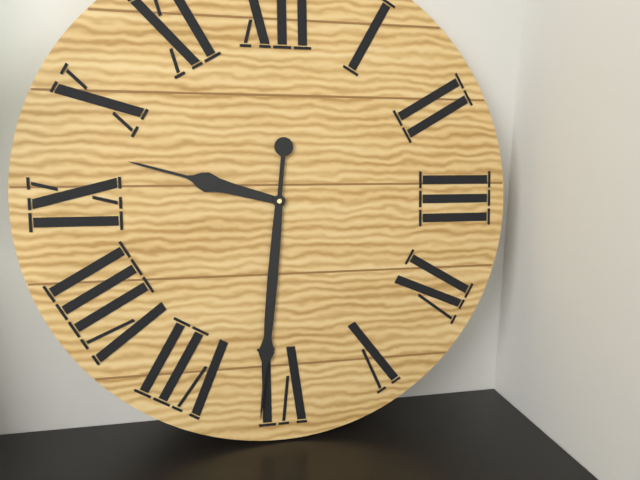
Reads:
h=9 m=31
